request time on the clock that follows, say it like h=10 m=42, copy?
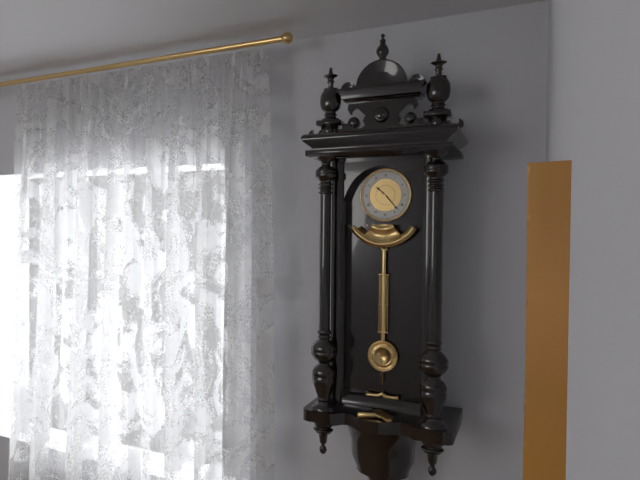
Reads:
h=10 m=23
